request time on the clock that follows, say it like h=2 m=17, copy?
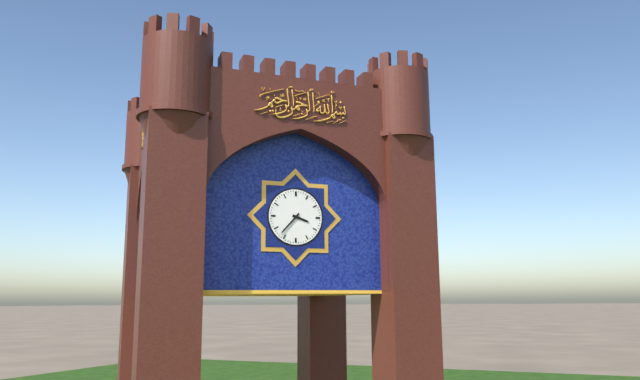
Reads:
h=3 m=37
